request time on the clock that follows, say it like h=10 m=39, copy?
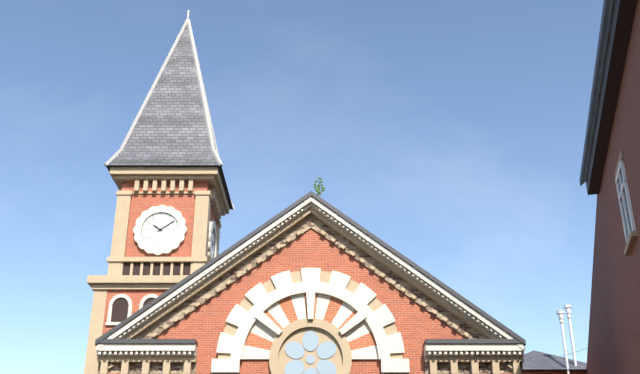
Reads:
h=10 m=9
